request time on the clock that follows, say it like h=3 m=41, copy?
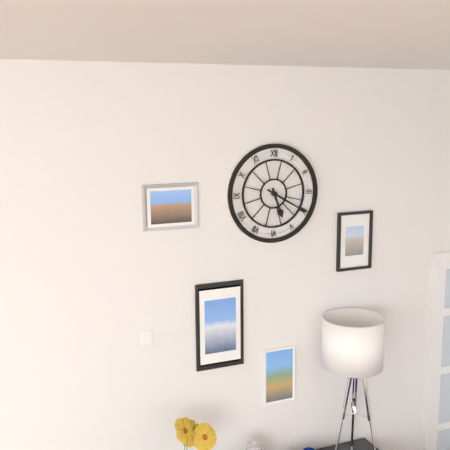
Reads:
h=5 m=20
